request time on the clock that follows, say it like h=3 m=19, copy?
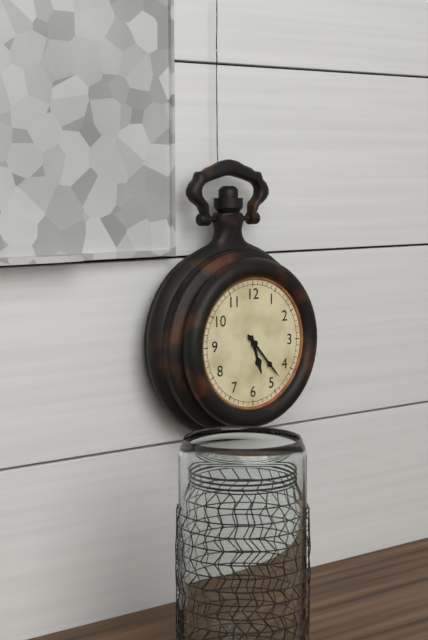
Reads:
h=5 m=23
